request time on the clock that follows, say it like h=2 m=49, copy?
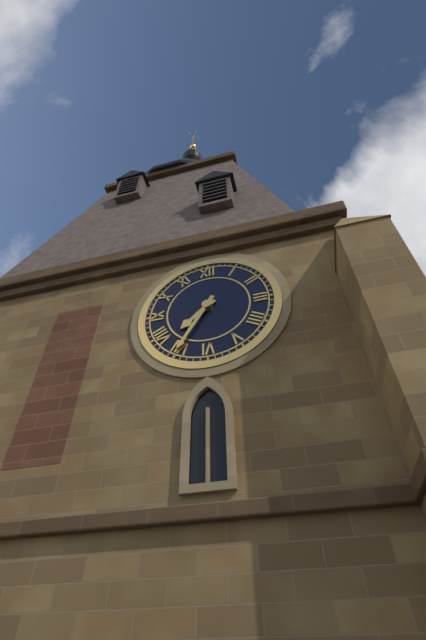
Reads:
h=7 m=35
